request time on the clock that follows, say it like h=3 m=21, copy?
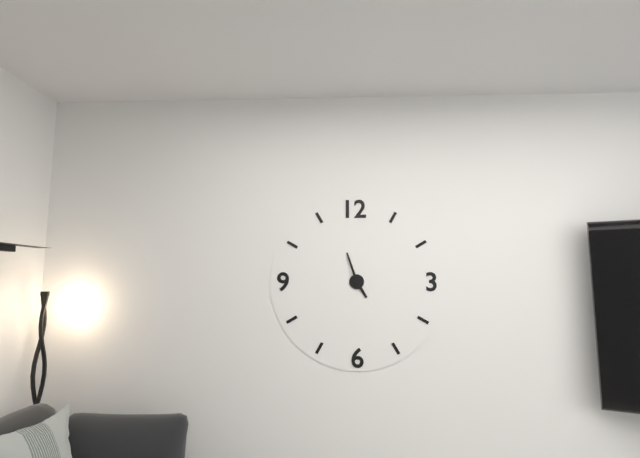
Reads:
h=4 m=57
